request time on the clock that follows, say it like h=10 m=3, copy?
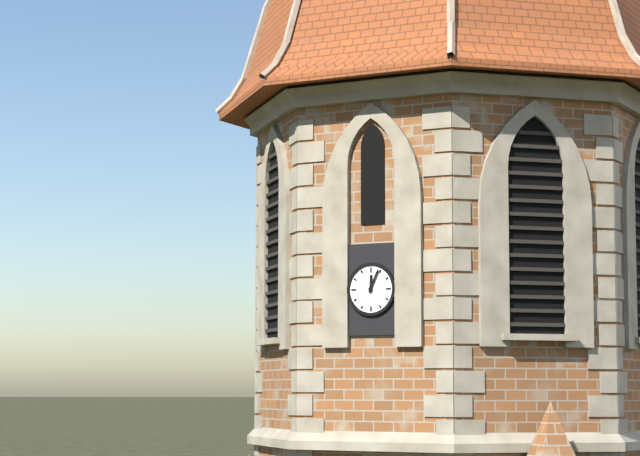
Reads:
h=12 m=4
